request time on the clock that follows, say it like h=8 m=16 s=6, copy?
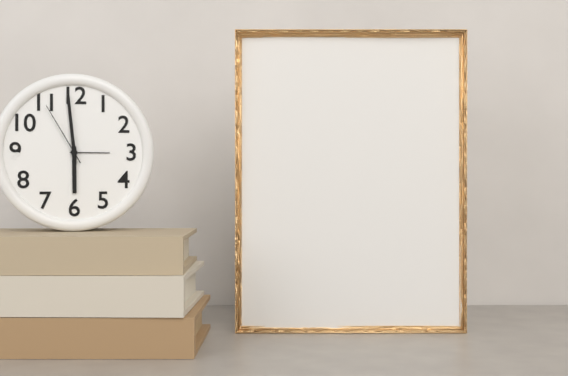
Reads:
h=5 m=59 s=55
